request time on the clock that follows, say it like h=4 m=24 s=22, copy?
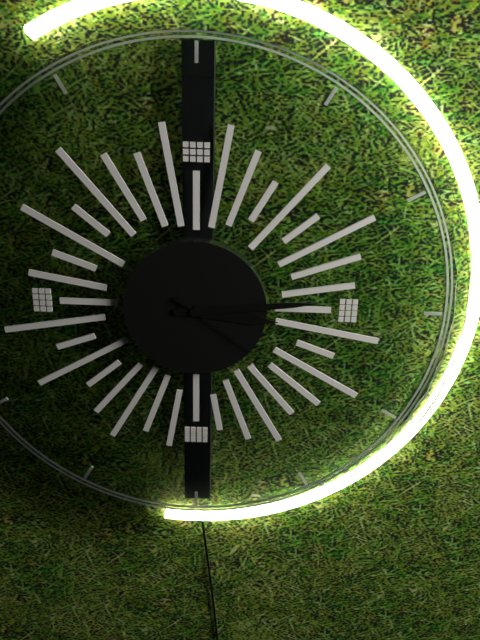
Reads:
h=3 m=14 s=21
